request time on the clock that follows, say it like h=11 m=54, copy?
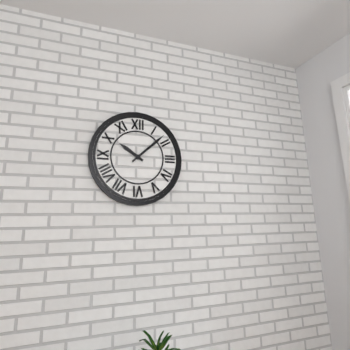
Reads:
h=10 m=8
